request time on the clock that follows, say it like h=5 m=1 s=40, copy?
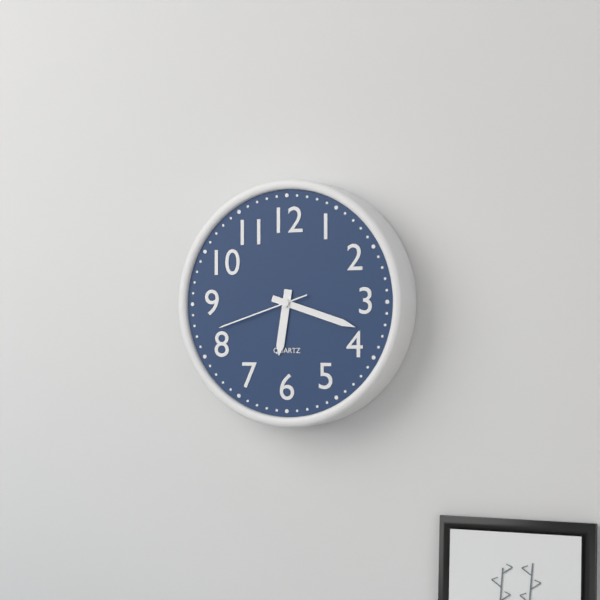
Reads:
h=6 m=18 s=42
